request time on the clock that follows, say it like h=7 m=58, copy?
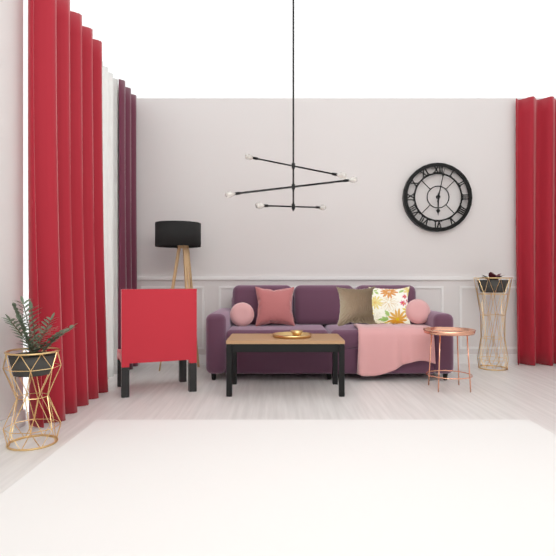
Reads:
h=6 m=2
